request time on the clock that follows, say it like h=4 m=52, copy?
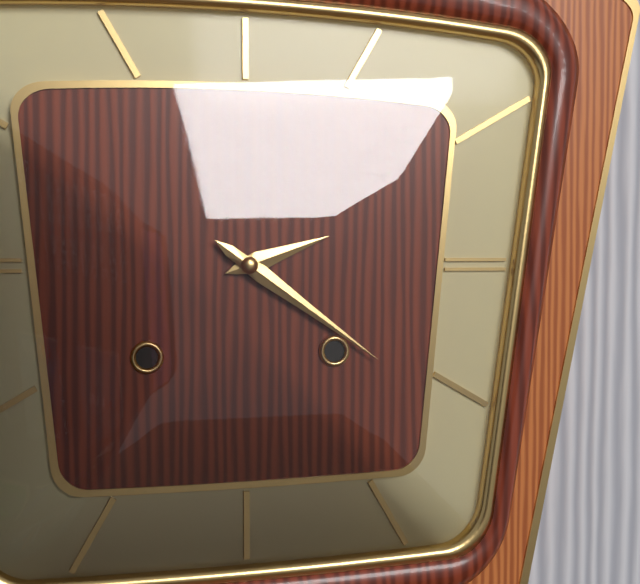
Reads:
h=2 m=21
